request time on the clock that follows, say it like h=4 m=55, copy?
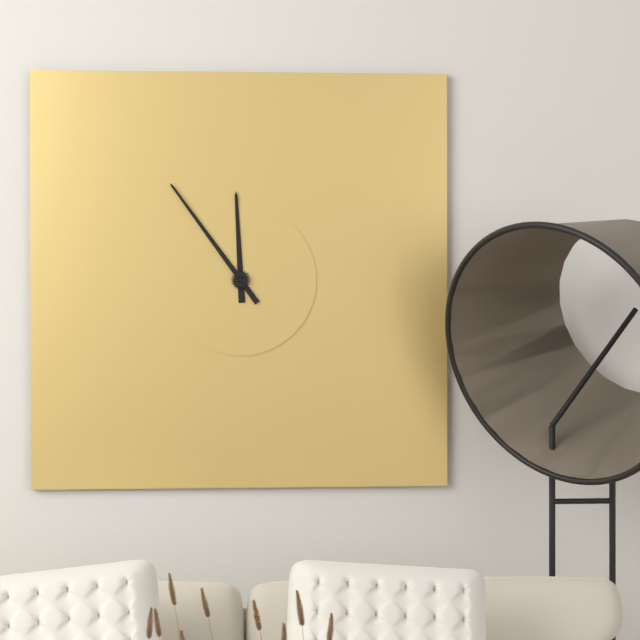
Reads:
h=11 m=54
